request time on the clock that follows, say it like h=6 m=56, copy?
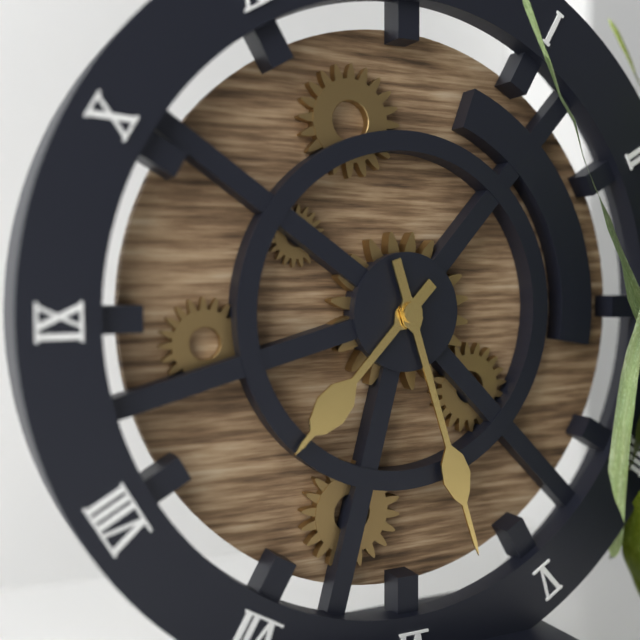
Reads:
h=7 m=27
